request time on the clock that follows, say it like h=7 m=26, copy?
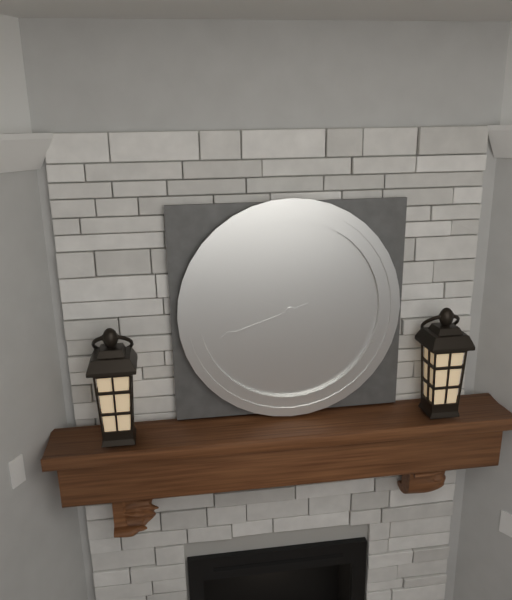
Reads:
h=9 m=42
